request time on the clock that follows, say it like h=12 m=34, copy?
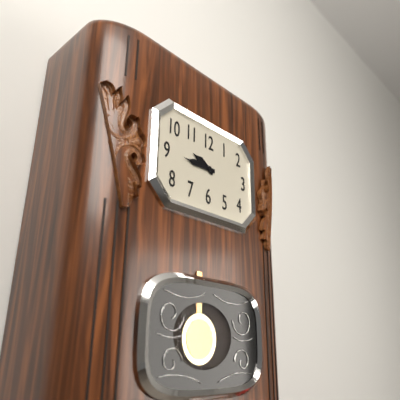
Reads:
h=9 m=45
